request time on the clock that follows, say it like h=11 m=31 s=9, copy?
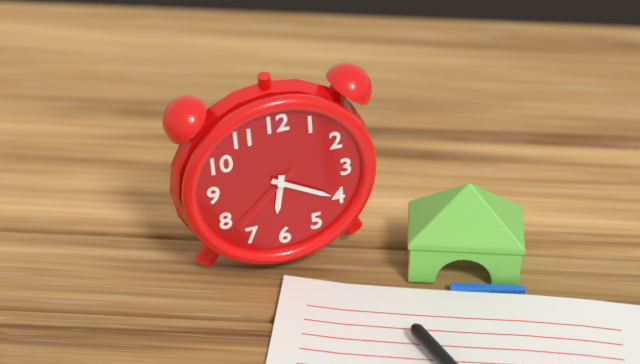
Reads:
h=6 m=20 s=38
